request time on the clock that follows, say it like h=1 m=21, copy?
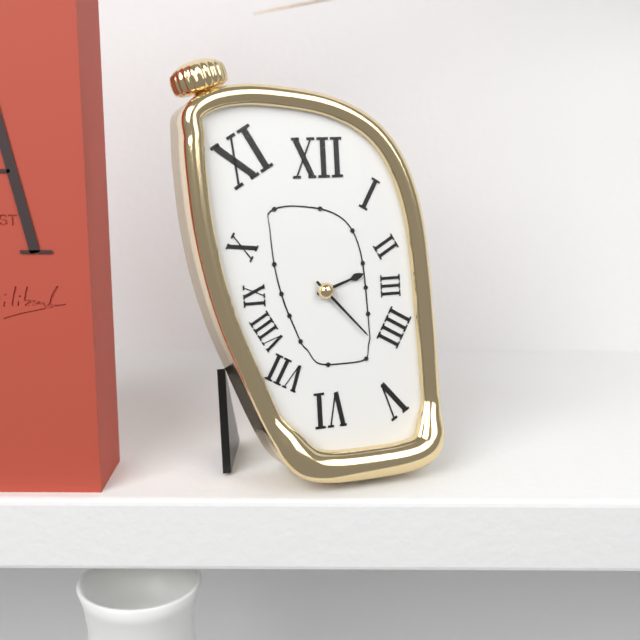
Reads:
h=2 m=23
